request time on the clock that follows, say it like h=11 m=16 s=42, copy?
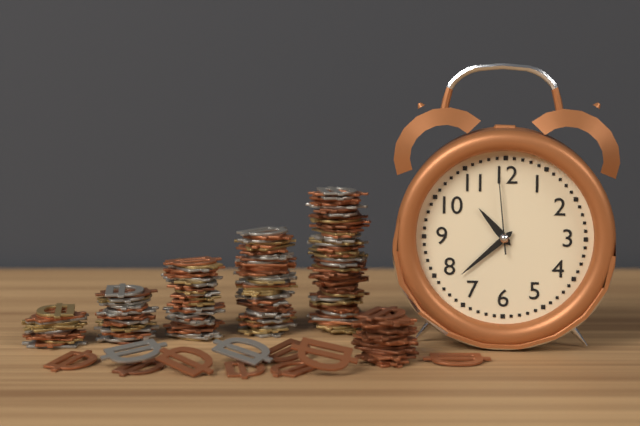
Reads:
h=10 m=38 s=59
